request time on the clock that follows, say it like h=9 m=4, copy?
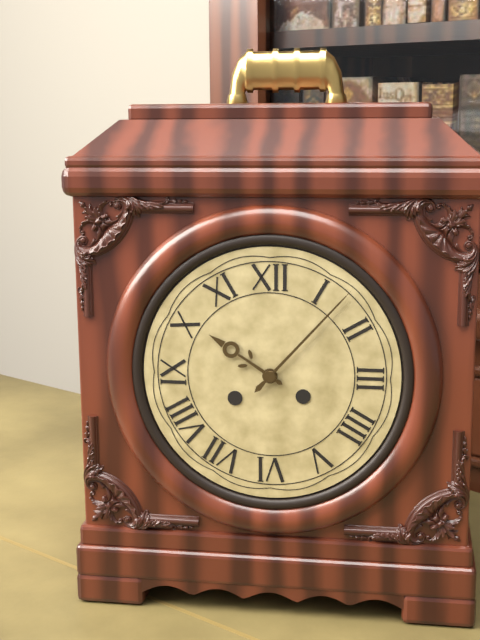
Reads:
h=10 m=7
